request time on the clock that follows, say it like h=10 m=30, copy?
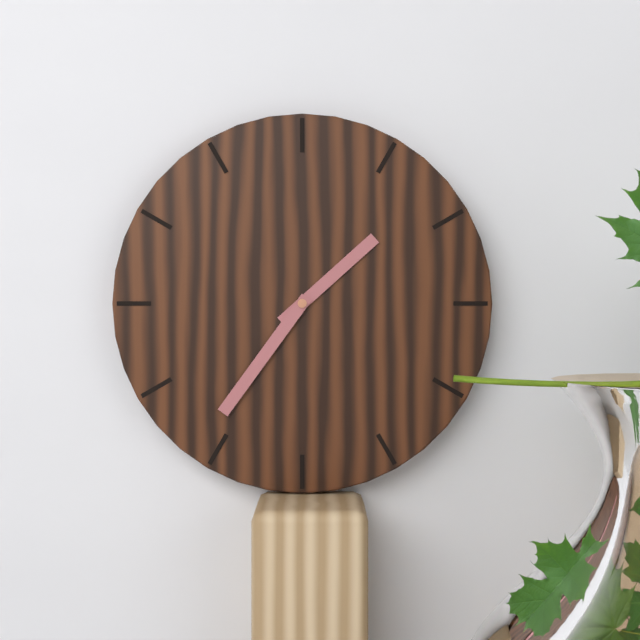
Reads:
h=1 m=36
